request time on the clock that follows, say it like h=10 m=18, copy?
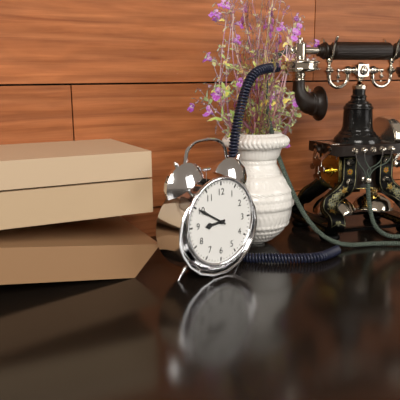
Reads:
h=8 m=50
